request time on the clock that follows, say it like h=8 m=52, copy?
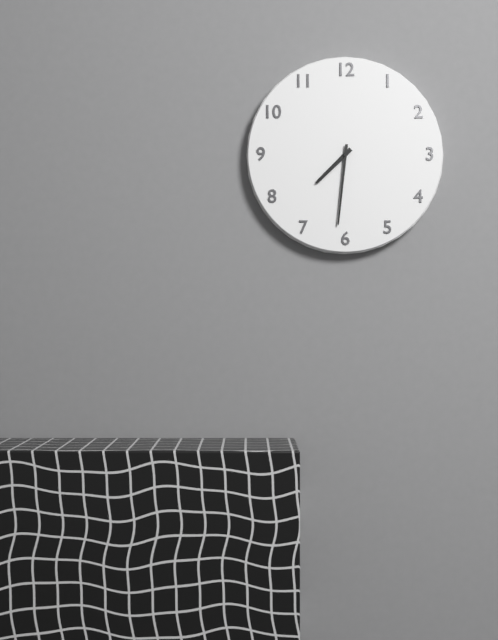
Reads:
h=7 m=31
